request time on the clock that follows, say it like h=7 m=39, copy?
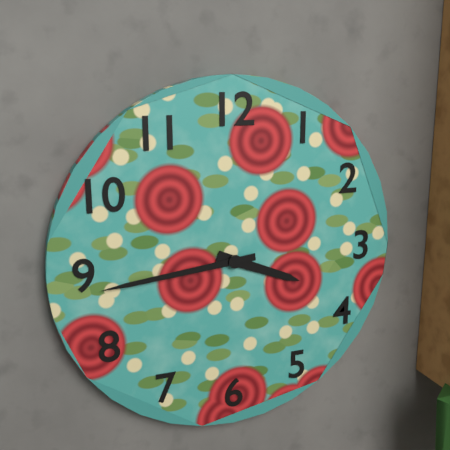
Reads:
h=3 m=44
